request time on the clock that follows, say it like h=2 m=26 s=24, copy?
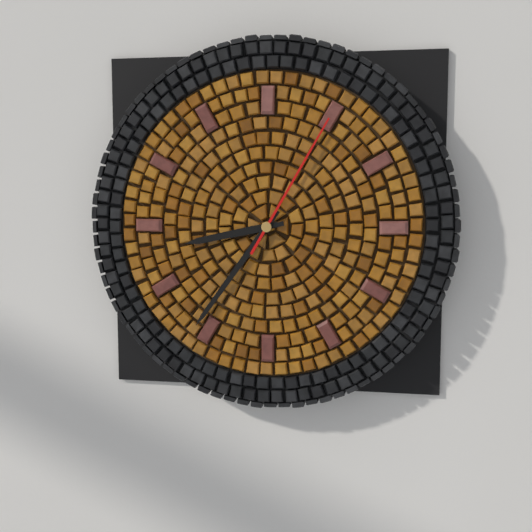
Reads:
h=8 m=36 s=5
